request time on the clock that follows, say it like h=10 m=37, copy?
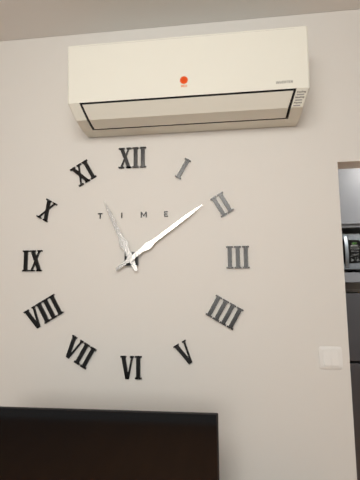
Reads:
h=11 m=9
